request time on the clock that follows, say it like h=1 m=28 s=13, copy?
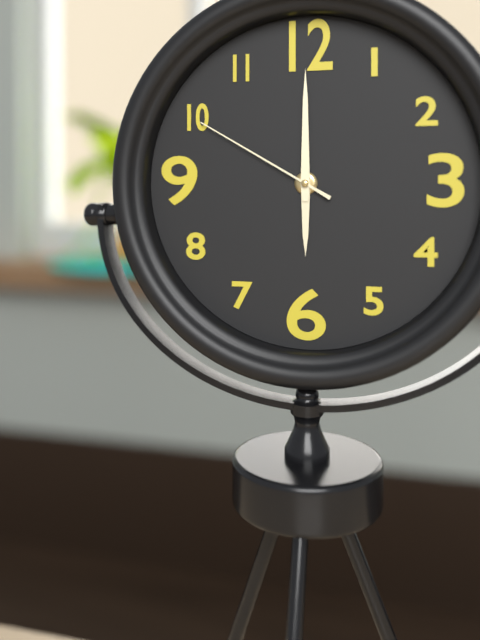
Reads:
h=6 m=0 s=50
